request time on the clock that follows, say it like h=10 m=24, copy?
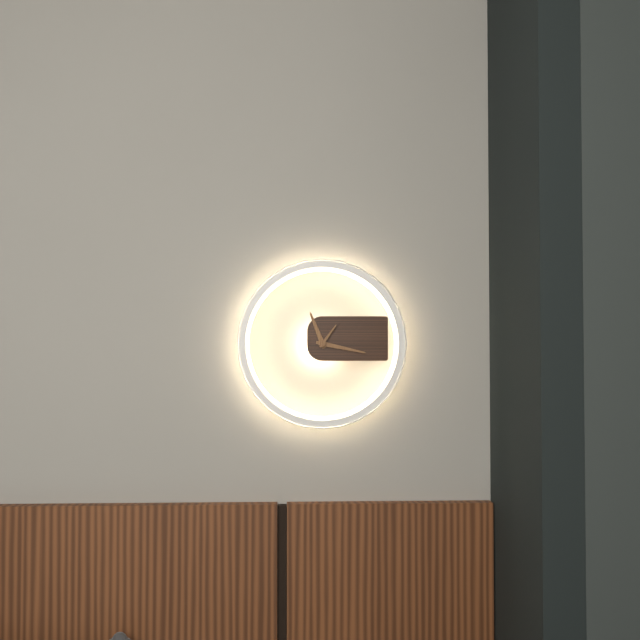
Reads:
h=11 m=17
